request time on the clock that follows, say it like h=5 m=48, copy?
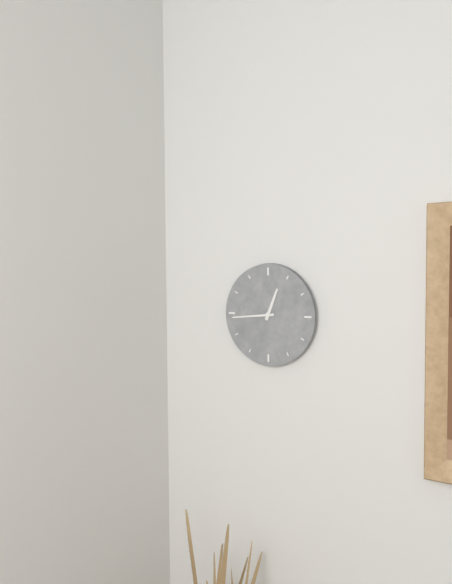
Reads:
h=12 m=44
